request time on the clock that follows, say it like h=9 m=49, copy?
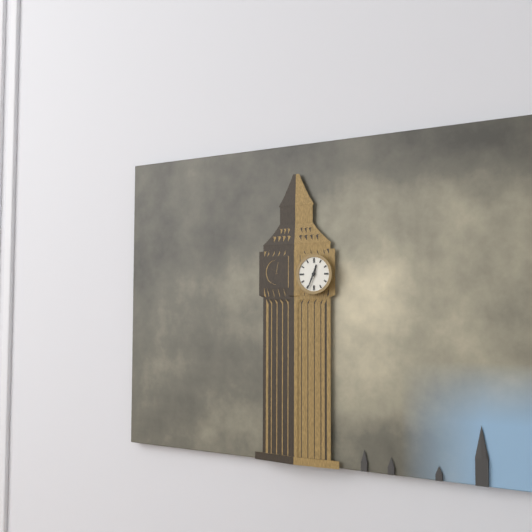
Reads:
h=12 m=34
